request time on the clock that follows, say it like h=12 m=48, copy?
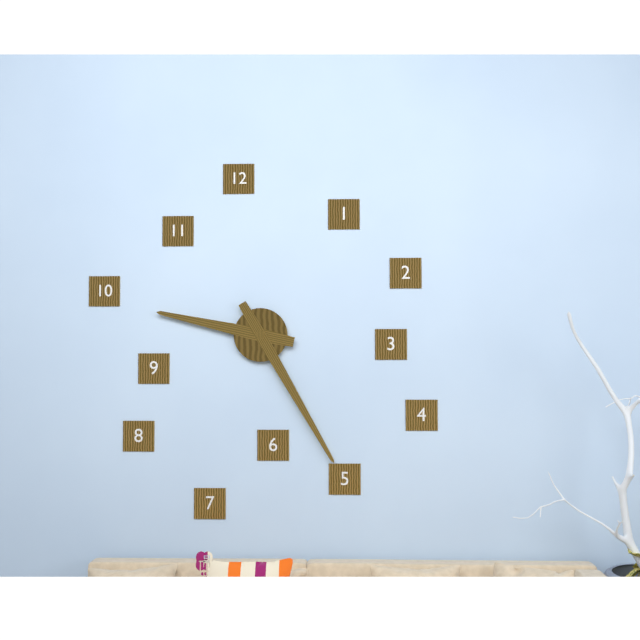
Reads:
h=9 m=25
